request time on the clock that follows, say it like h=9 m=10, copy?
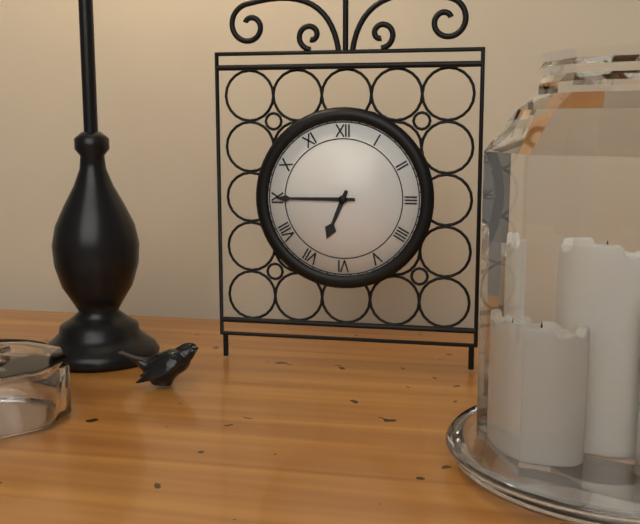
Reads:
h=6 m=45
